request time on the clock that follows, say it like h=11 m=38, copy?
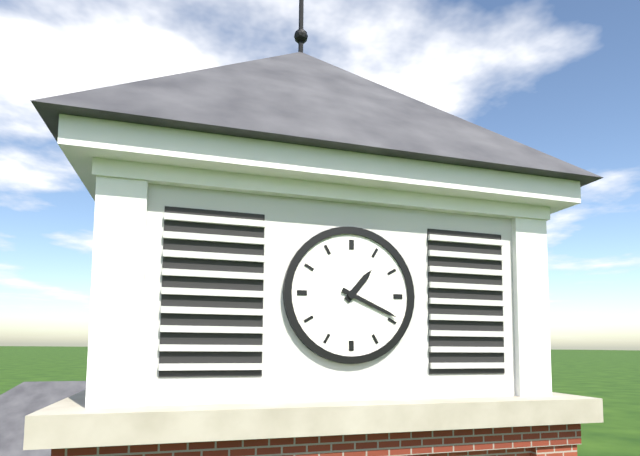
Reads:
h=1 m=19
